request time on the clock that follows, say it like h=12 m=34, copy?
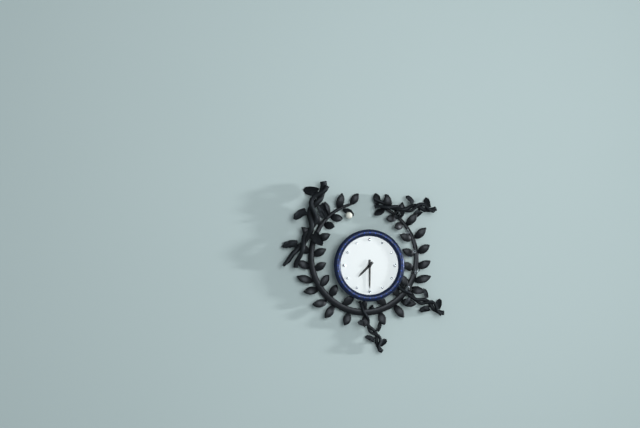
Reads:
h=7 m=30
